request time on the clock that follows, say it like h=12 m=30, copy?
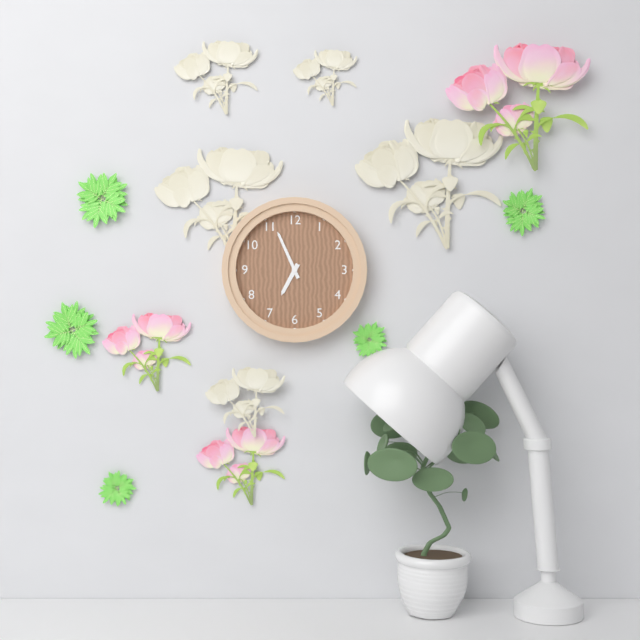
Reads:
h=6 m=56
